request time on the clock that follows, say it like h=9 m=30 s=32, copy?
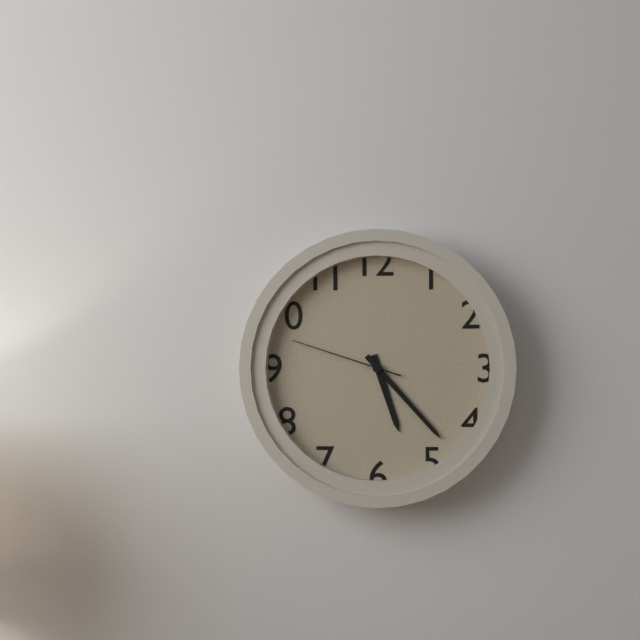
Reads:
h=5 m=23 s=48
